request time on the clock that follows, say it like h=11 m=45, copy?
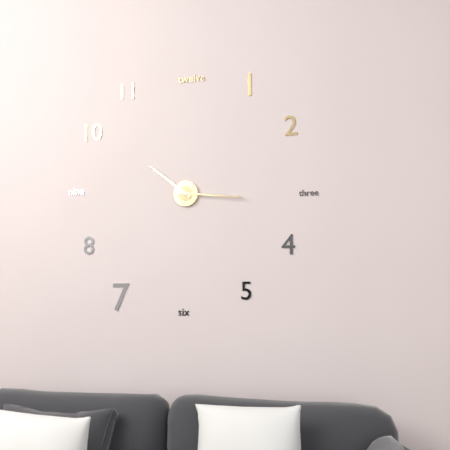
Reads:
h=10 m=16
